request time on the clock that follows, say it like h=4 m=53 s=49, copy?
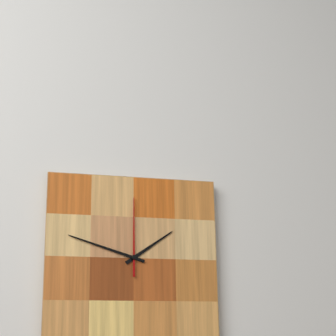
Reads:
h=1 m=48 s=0
